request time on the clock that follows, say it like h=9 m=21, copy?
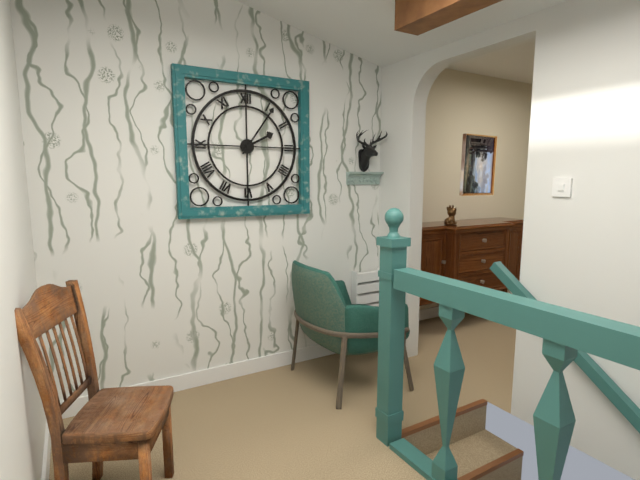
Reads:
h=2 m=6
